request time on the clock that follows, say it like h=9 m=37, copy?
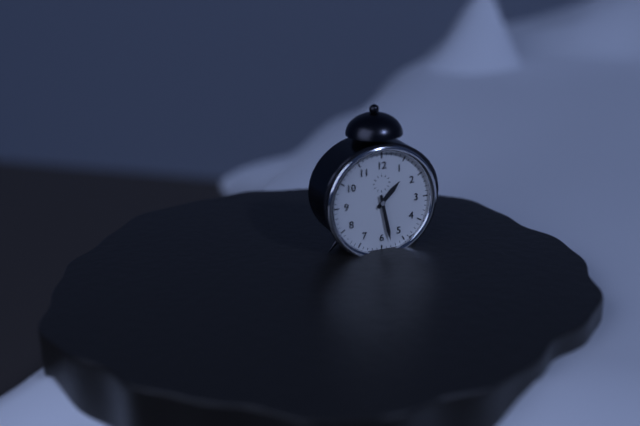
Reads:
h=1 m=28
